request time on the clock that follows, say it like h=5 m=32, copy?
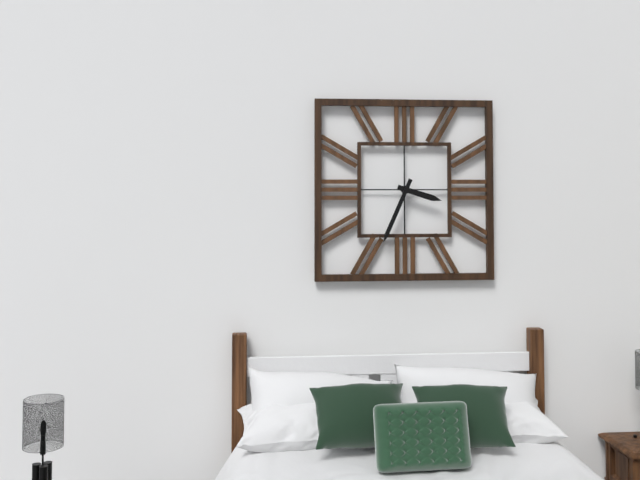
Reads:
h=3 m=34
